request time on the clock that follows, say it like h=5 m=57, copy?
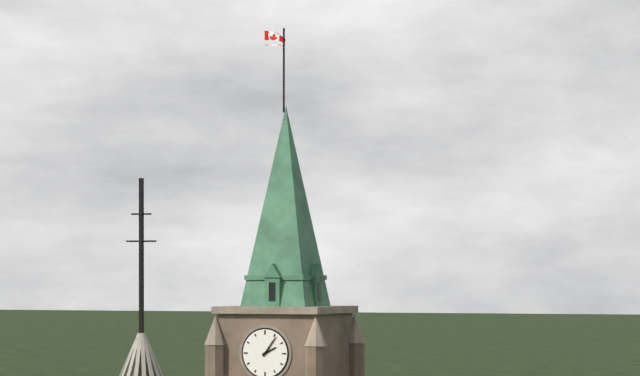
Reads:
h=2 m=6
